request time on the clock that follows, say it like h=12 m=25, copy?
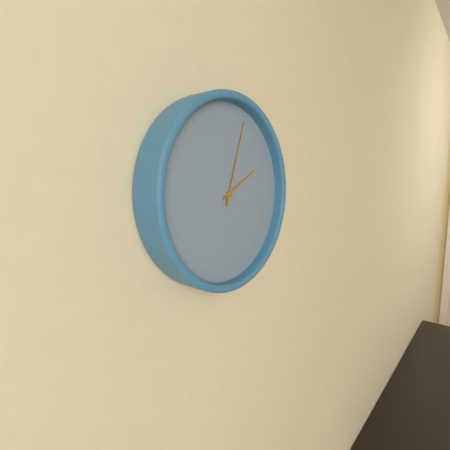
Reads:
h=2 m=3
